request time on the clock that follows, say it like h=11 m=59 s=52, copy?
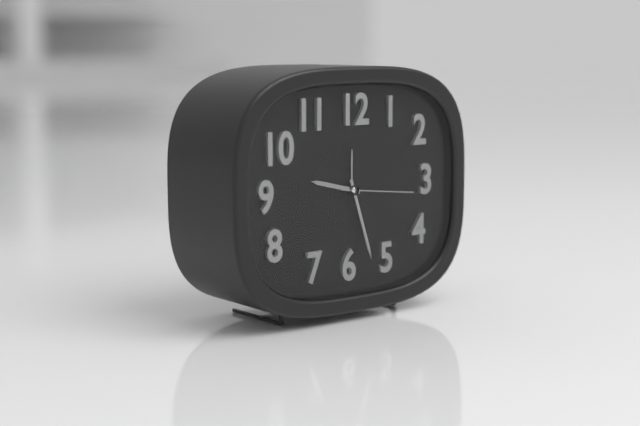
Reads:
h=9 m=27 s=16
